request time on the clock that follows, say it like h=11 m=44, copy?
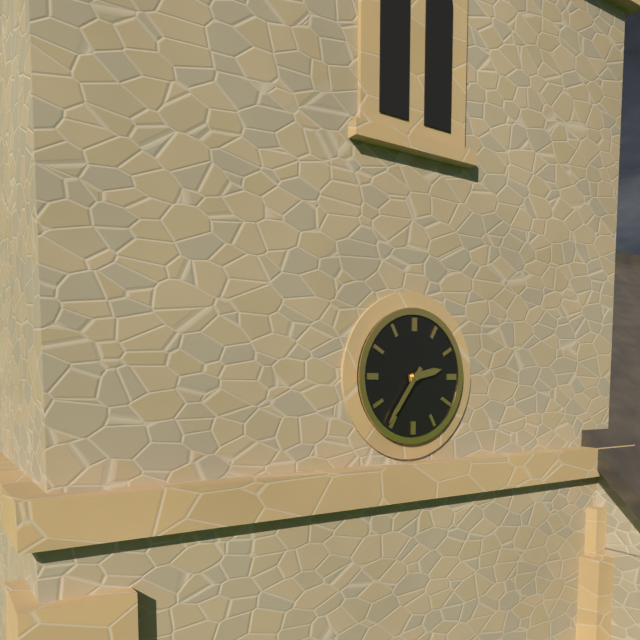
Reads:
h=2 m=36
